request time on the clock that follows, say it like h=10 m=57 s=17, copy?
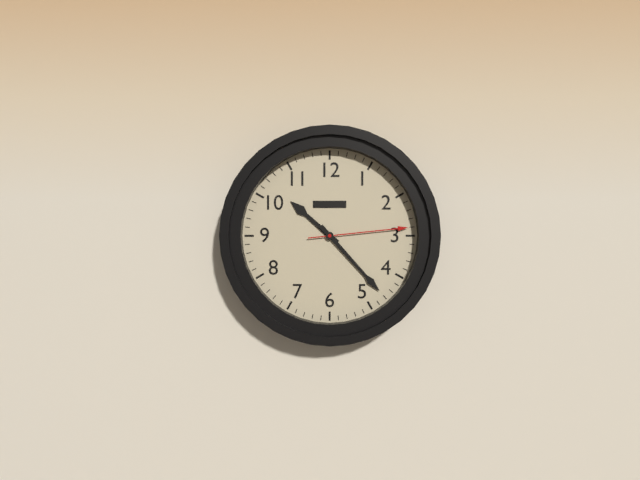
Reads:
h=10 m=23 s=14
